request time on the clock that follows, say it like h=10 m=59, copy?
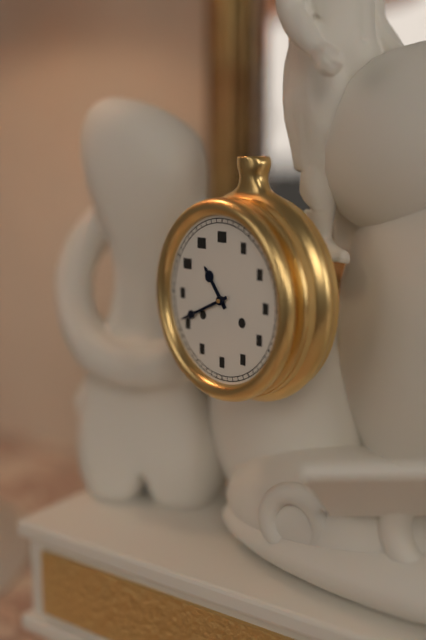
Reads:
h=10 m=41
